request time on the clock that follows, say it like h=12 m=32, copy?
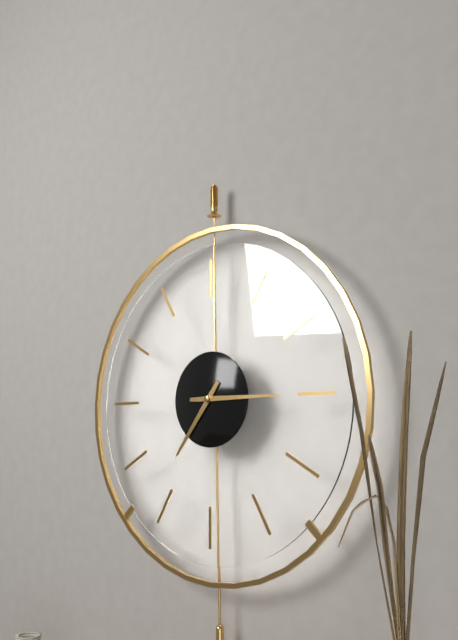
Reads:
h=7 m=15
